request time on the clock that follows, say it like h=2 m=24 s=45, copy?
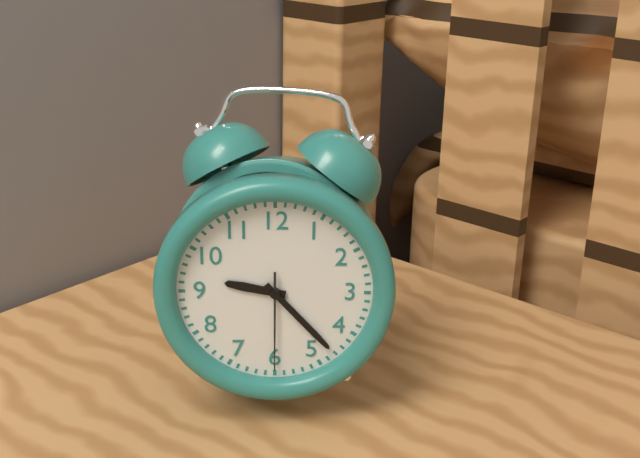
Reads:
h=9 m=23 s=30
